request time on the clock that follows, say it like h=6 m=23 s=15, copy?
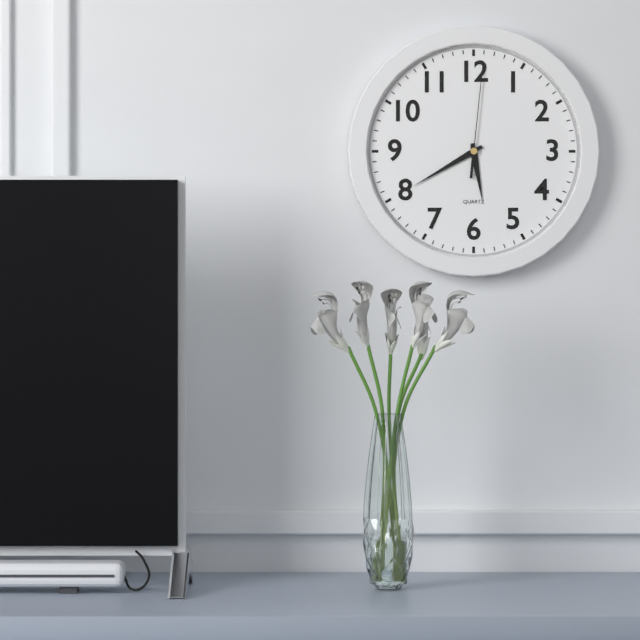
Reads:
h=5 m=40 s=1
